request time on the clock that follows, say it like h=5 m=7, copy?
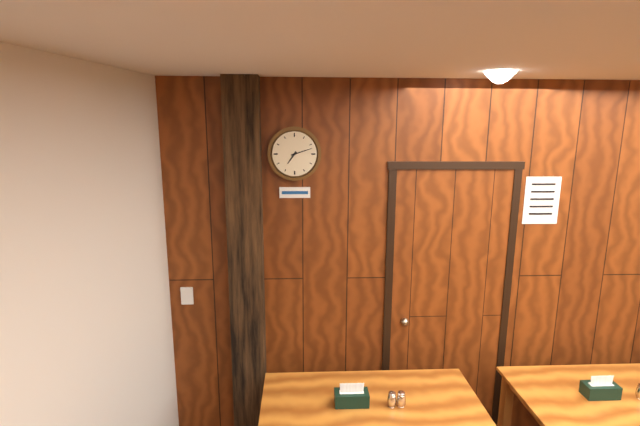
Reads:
h=7 m=12
